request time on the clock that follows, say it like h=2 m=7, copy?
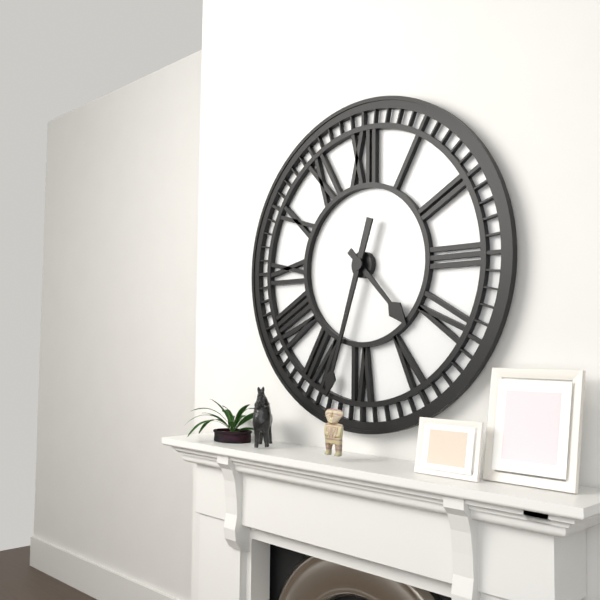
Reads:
h=4 m=33
